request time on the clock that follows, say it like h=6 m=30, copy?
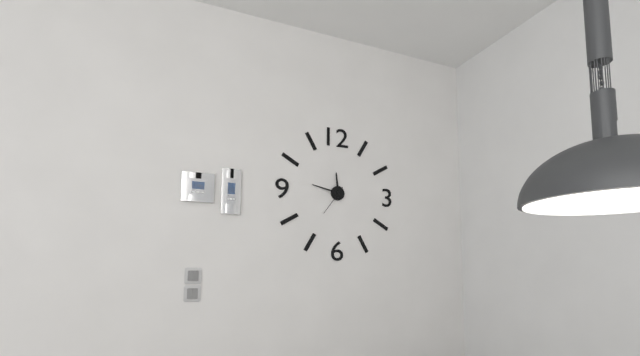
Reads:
h=11 m=47
